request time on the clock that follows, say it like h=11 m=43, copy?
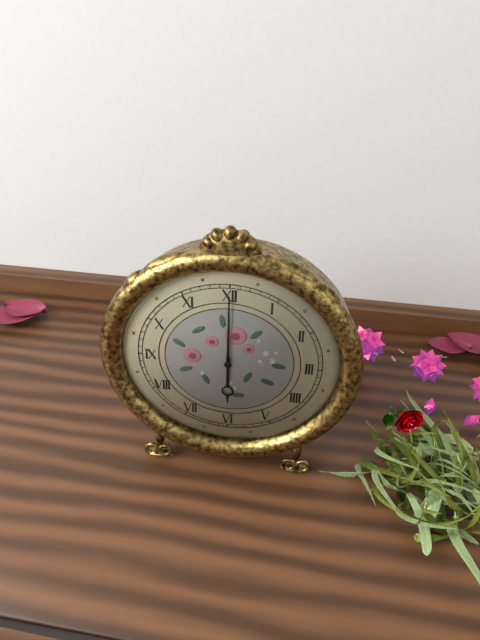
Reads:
h=6 m=0
